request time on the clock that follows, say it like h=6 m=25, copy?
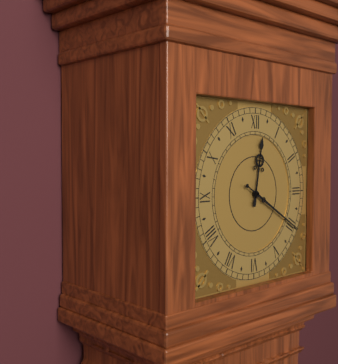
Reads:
h=12 m=20
